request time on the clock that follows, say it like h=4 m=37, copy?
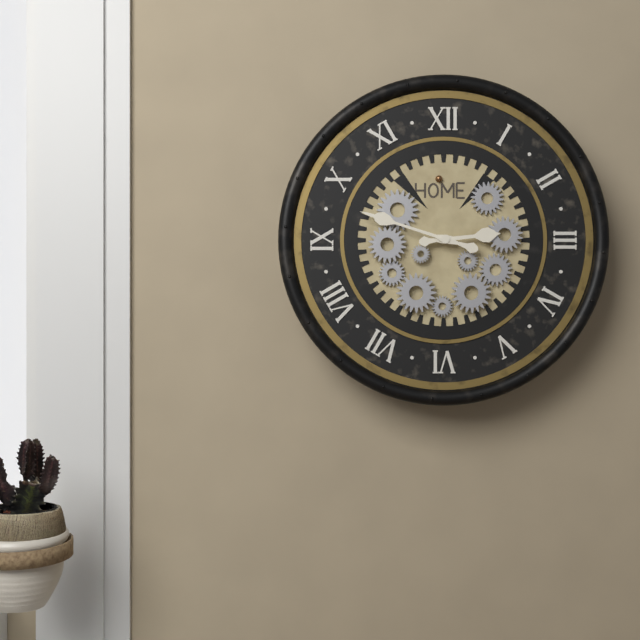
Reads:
h=2 m=48
